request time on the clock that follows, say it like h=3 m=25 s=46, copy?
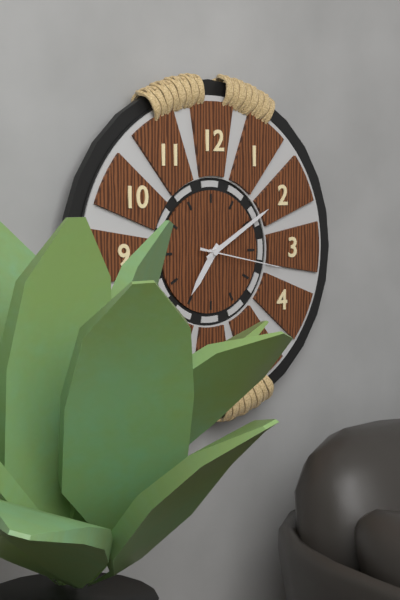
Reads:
h=7 m=10 s=17
